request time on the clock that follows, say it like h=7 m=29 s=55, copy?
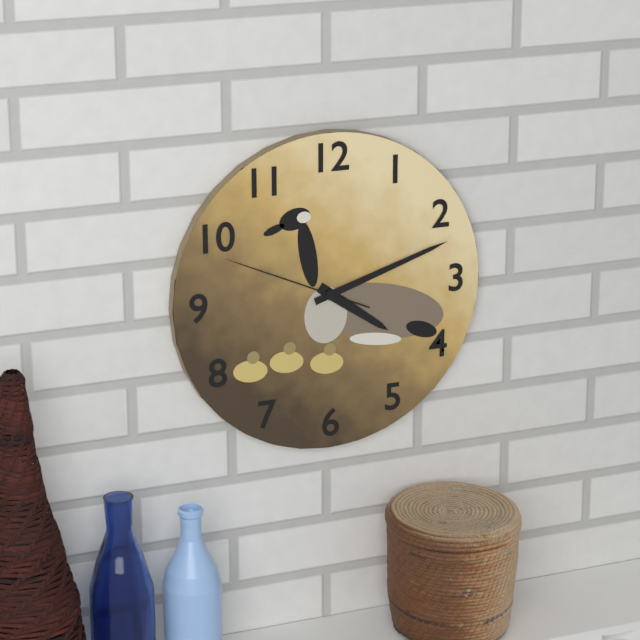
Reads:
h=4 m=12 s=49
